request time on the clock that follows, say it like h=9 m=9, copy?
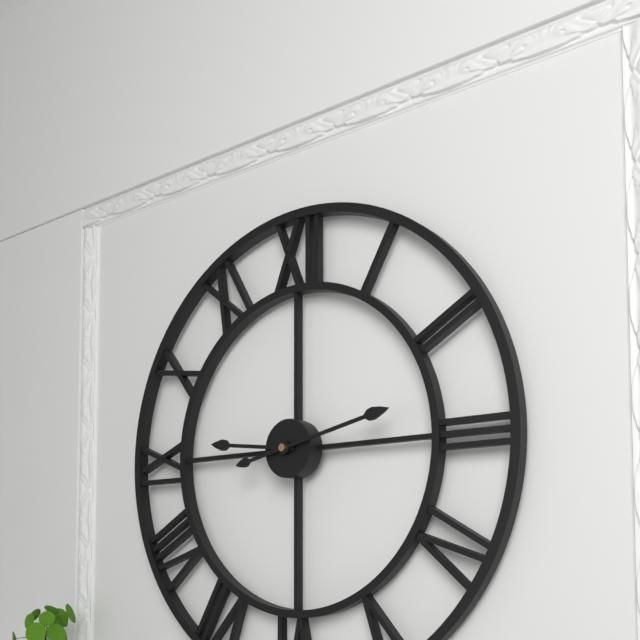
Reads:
h=9 m=13
